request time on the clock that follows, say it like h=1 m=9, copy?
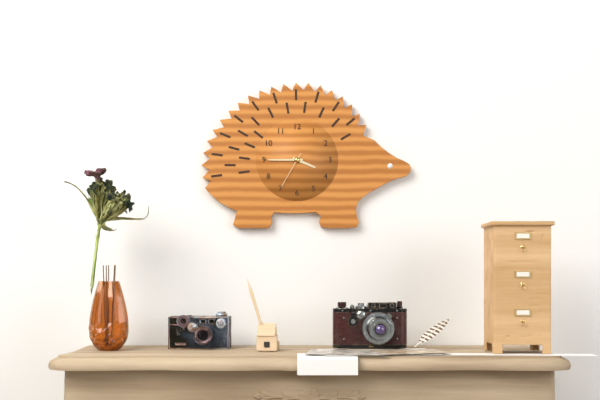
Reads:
h=3 m=45
